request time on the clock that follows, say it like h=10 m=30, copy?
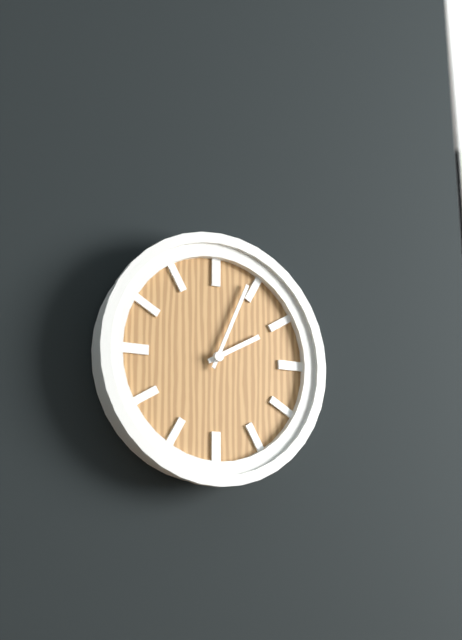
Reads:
h=2 m=4
